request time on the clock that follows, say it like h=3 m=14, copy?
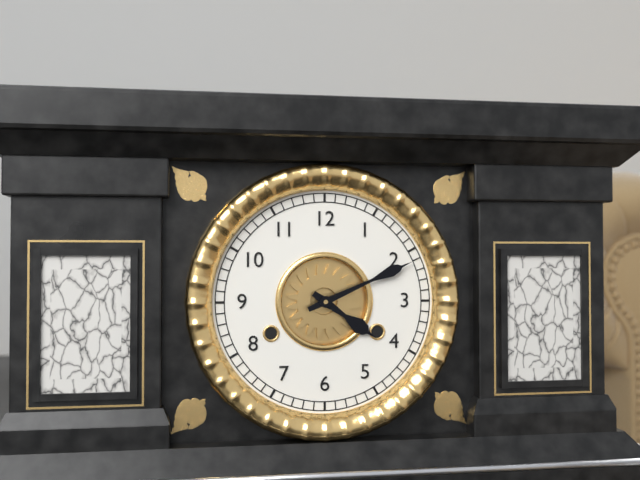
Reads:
h=4 m=11
